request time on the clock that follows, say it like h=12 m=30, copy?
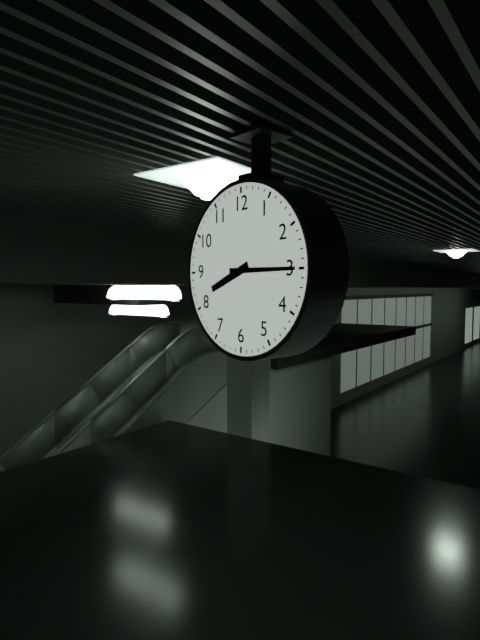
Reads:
h=8 m=15
